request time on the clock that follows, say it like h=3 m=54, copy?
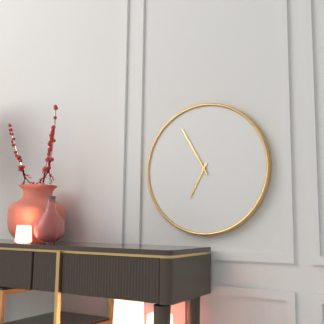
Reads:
h=6 m=55
